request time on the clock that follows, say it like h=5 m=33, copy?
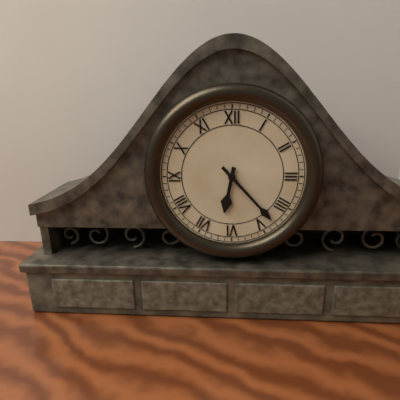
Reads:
h=6 m=23
